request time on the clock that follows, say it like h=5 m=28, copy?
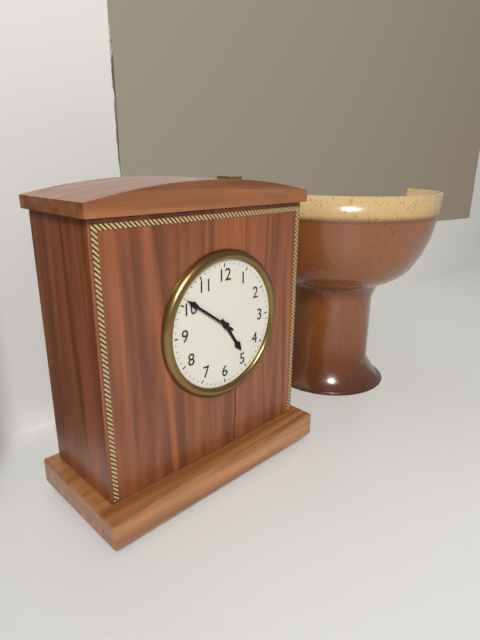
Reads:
h=4 m=51
